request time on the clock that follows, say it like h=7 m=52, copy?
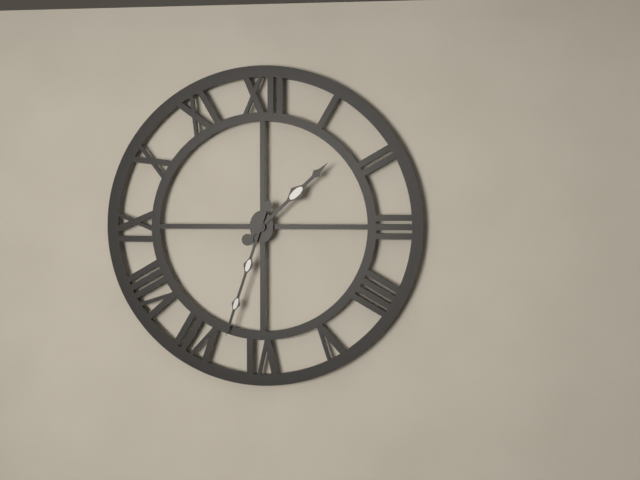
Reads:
h=1 m=33
